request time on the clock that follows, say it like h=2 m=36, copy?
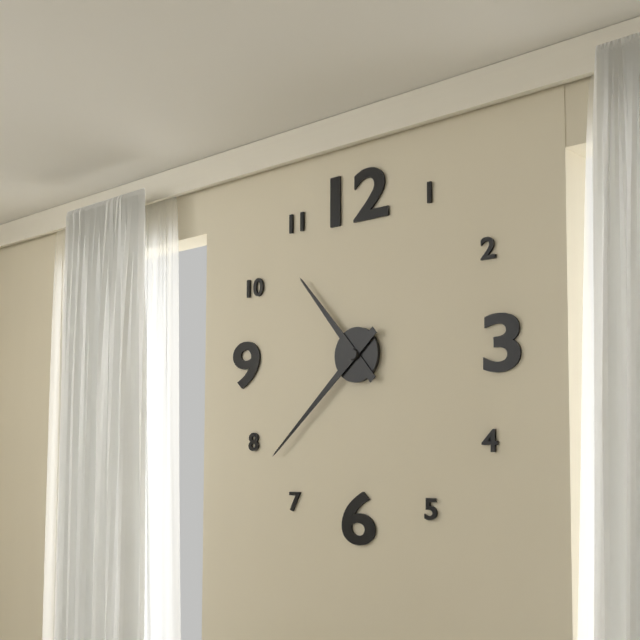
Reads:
h=10 m=38
